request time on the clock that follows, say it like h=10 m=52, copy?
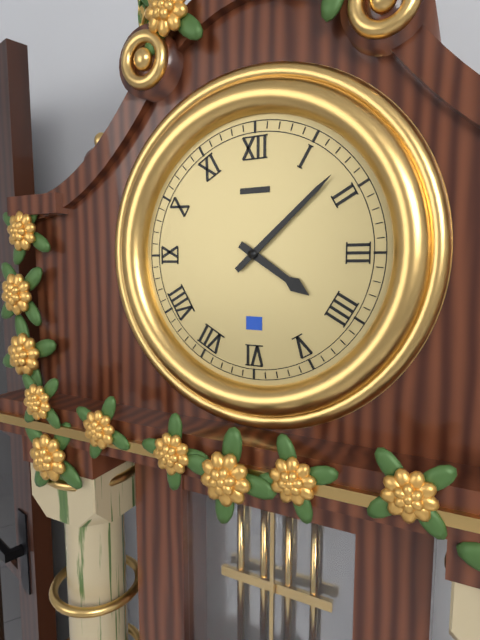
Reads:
h=4 m=8
